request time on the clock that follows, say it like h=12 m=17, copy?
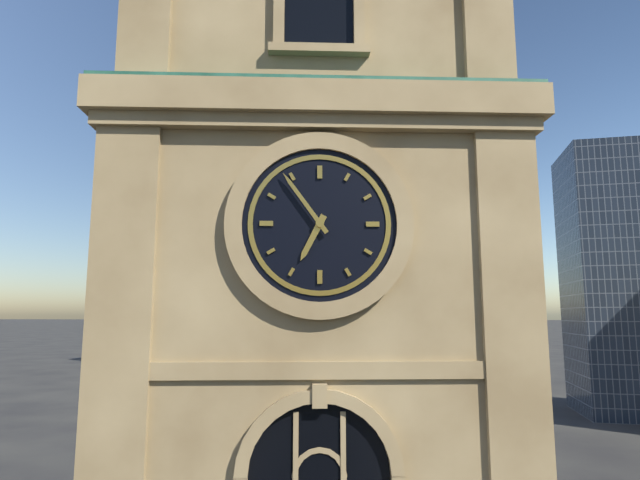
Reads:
h=6 m=54
